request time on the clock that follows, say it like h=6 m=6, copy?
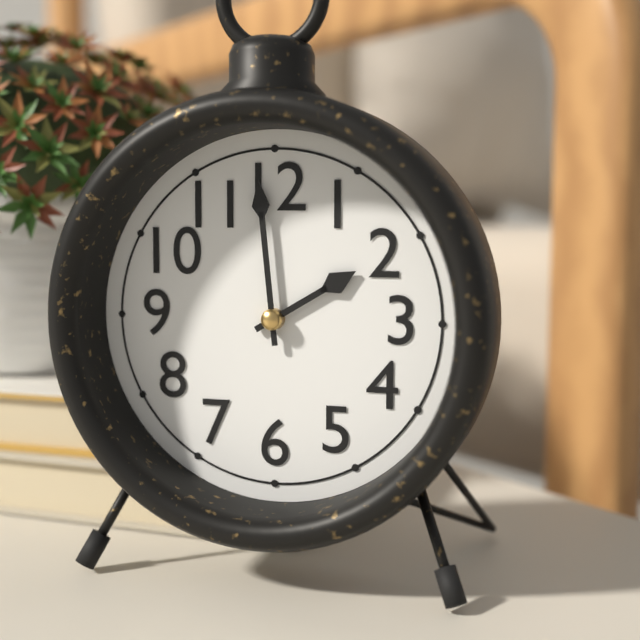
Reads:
h=1 m=59
